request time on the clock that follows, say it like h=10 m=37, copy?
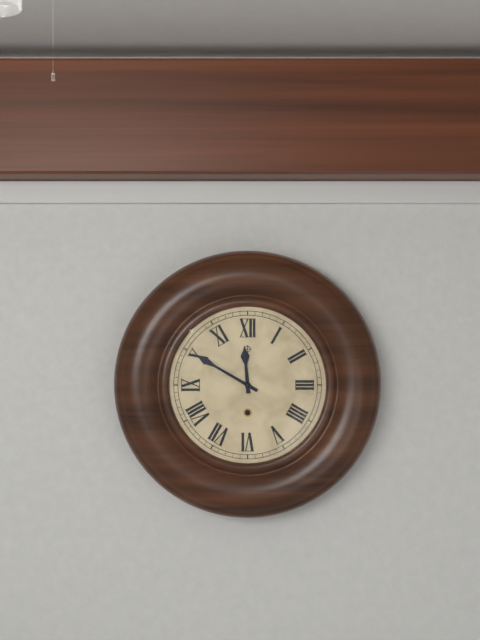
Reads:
h=11 m=50
